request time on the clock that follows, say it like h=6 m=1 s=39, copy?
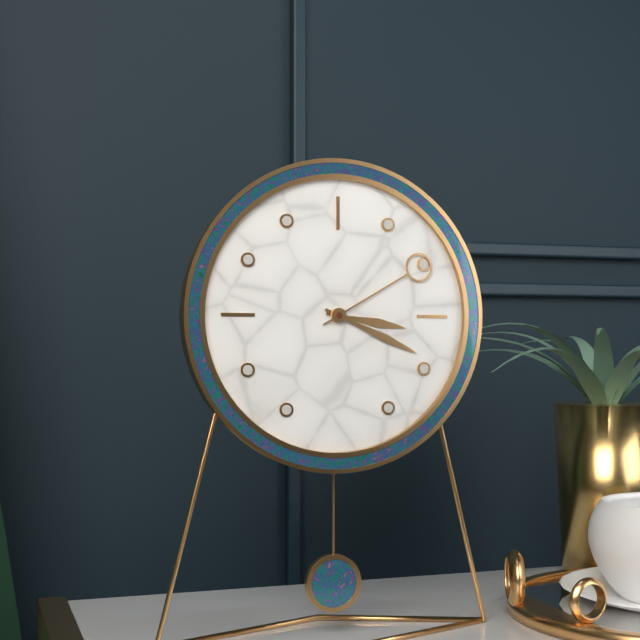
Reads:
h=3 m=19 s=10
